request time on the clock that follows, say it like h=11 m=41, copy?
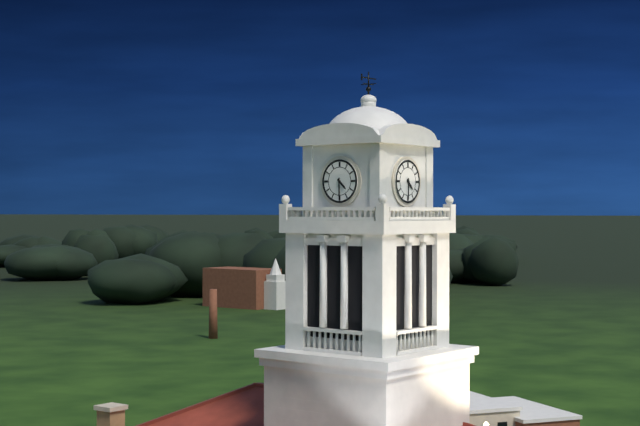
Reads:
h=4 m=30
